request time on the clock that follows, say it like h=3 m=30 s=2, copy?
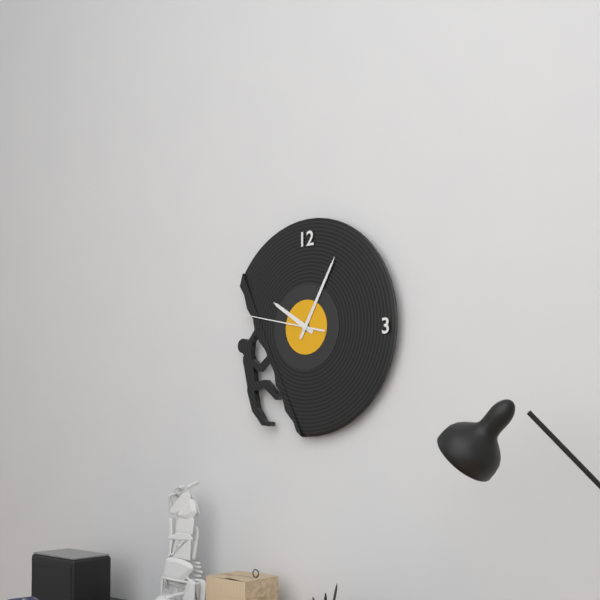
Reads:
h=10 m=5 s=47
